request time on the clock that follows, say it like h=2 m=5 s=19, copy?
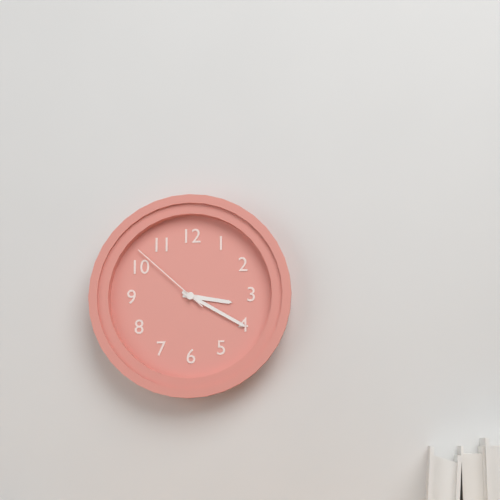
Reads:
h=3 m=20 s=52
